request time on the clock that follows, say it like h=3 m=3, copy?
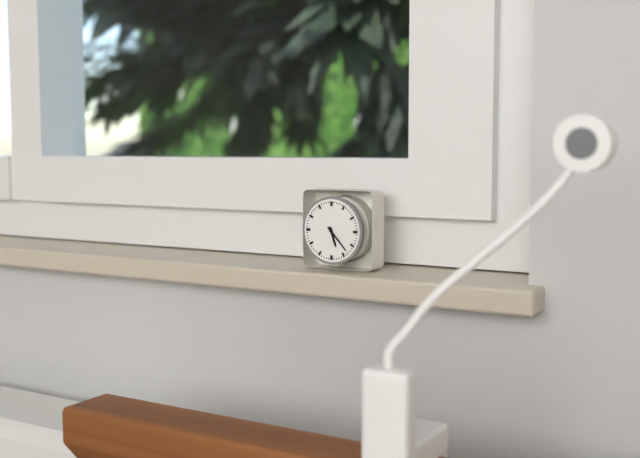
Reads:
h=5 m=23
